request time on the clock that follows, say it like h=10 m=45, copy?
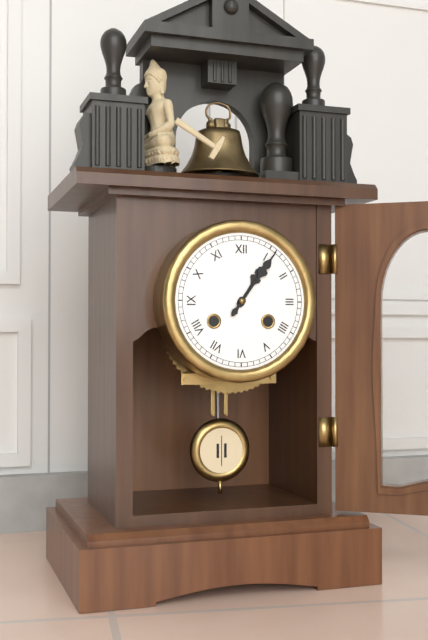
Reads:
h=1 m=6
